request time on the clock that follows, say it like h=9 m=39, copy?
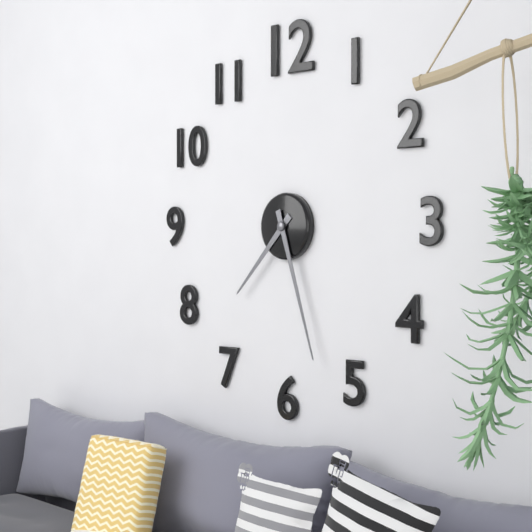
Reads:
h=7 m=27
